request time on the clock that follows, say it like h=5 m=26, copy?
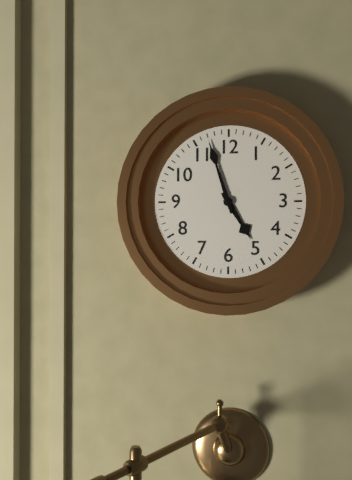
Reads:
h=4 m=57
